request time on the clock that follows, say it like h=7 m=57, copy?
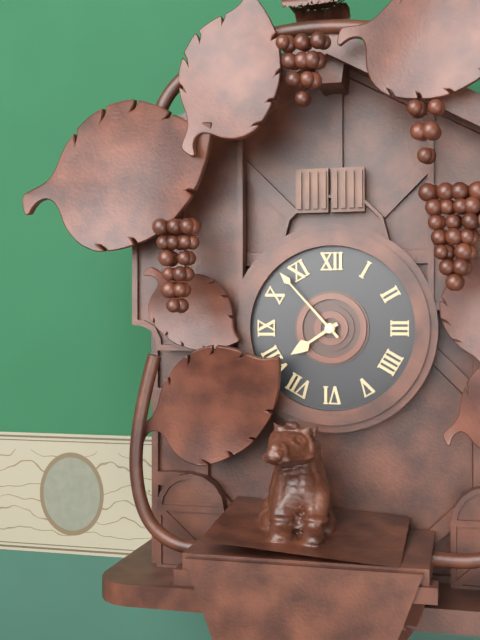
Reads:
h=7 m=53
